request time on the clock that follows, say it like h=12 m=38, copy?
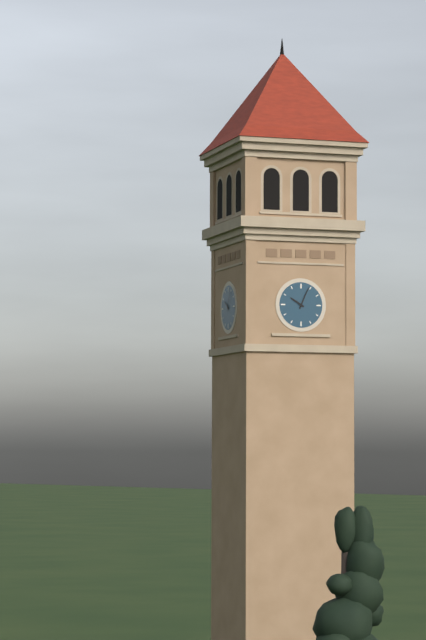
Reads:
h=10 m=4
